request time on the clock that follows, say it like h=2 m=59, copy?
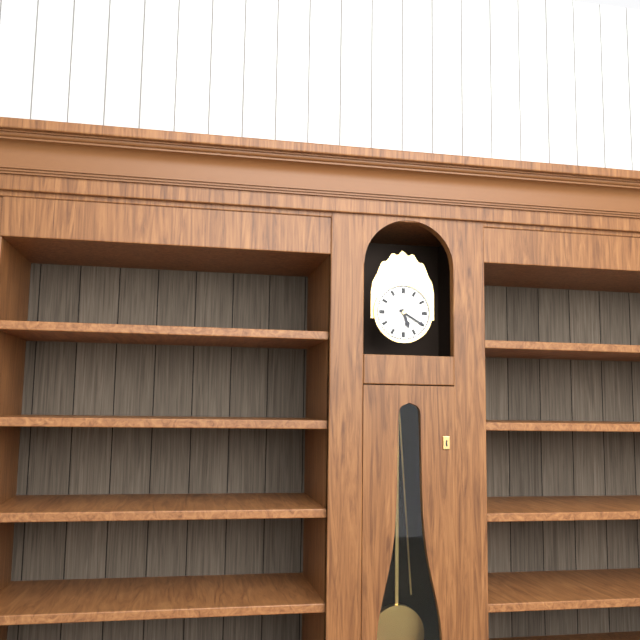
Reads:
h=5 m=20
